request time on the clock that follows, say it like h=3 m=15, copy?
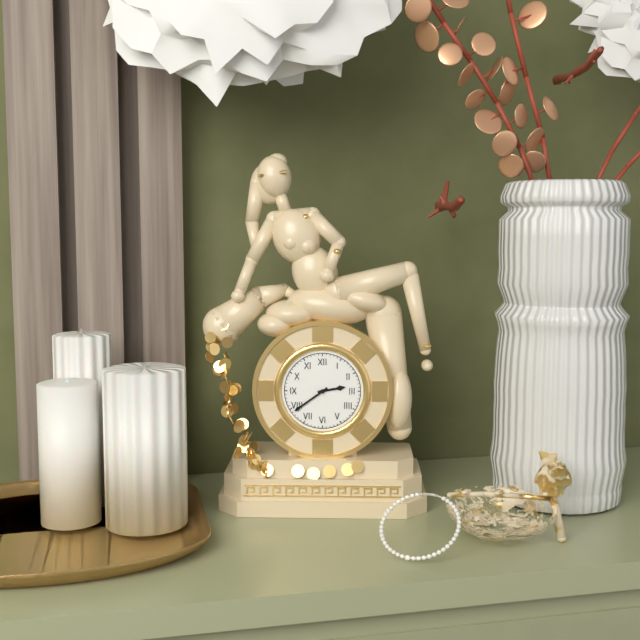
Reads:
h=2 m=39
